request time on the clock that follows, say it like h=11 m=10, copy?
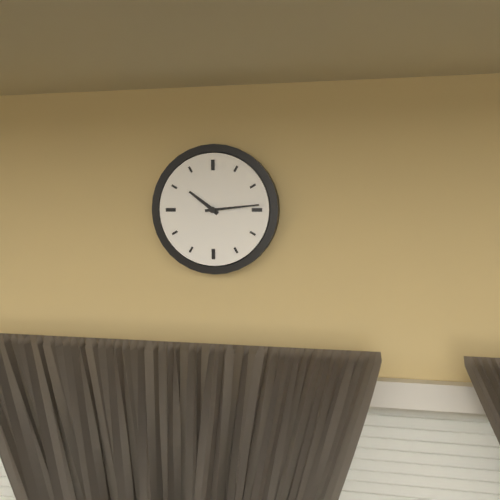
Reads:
h=10 m=14
